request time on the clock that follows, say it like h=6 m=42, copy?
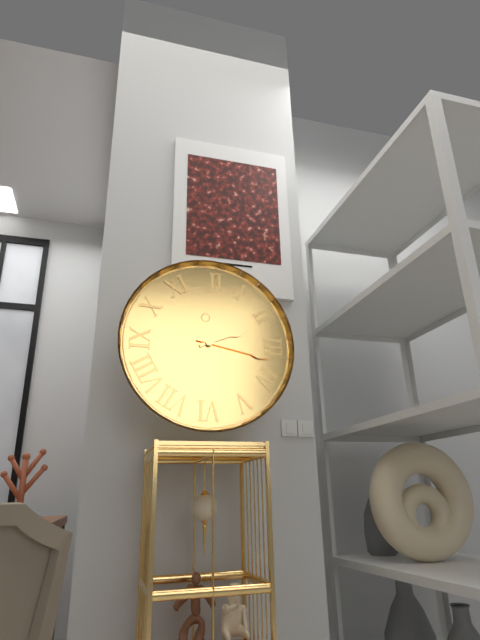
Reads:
h=2 m=17
